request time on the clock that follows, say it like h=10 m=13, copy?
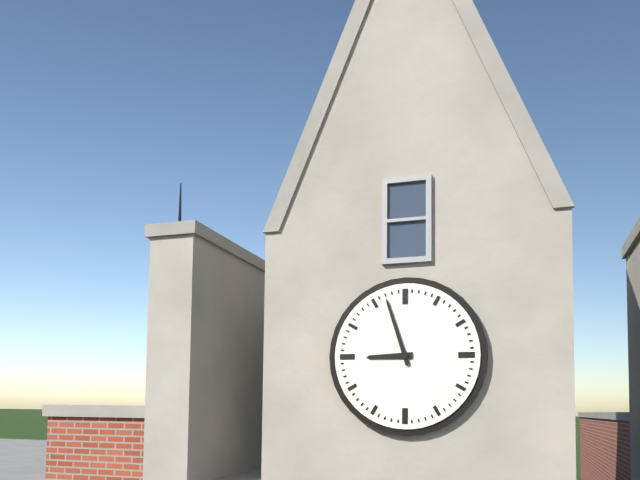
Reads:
h=8 m=57
